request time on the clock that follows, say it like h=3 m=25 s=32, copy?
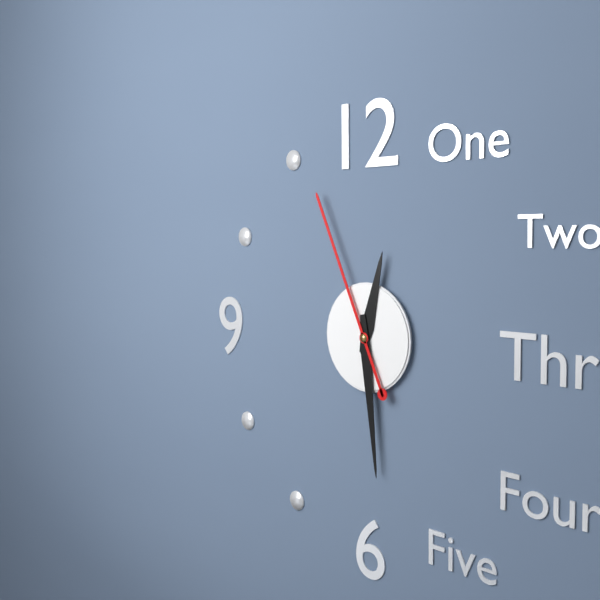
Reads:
h=12 m=29 s=56
